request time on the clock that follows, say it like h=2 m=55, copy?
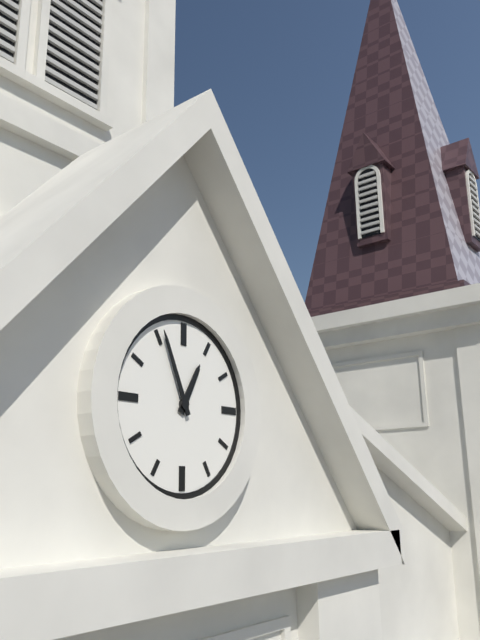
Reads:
h=12 m=56
